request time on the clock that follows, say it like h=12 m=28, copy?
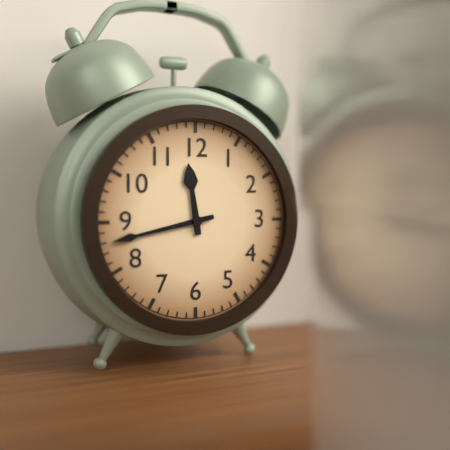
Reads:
h=11 m=43
